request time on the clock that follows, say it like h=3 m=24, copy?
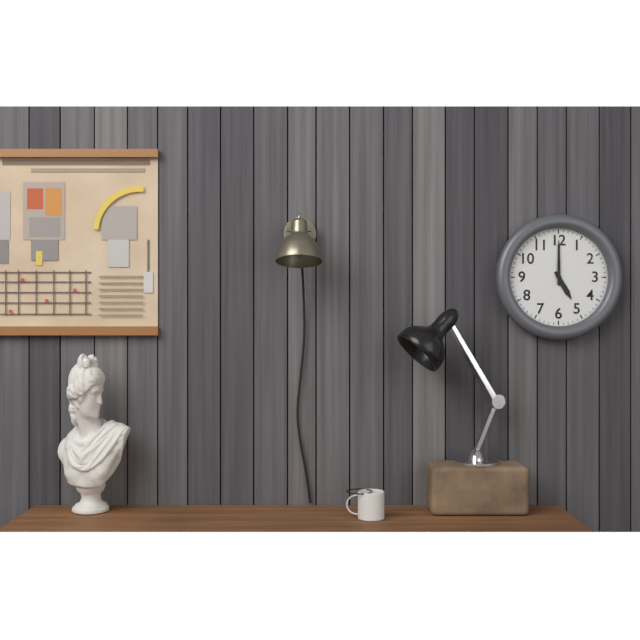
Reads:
h=5 m=0
